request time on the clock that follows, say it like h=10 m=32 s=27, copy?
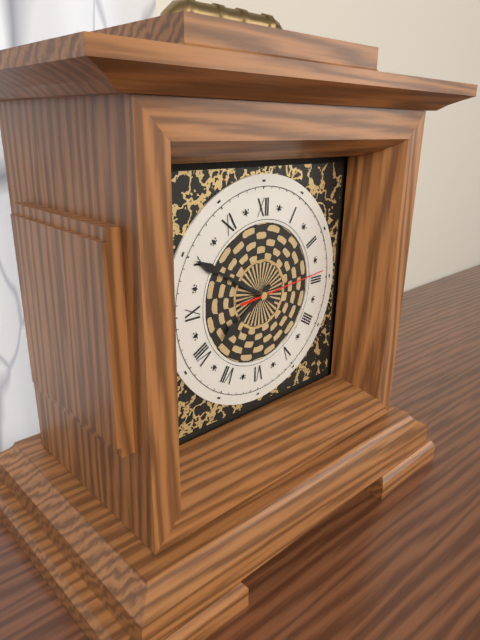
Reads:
h=7 m=50 s=14
